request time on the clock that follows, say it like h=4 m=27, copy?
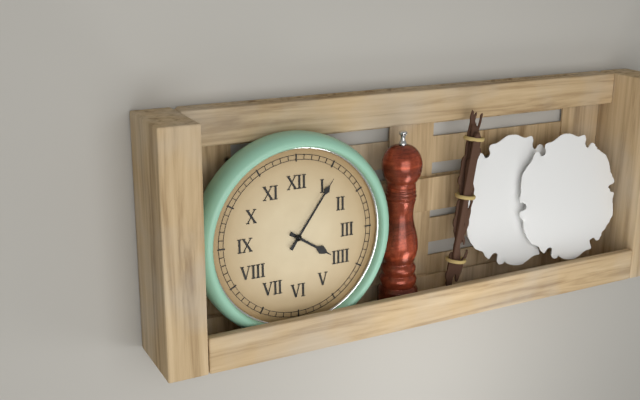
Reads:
h=4 m=6
